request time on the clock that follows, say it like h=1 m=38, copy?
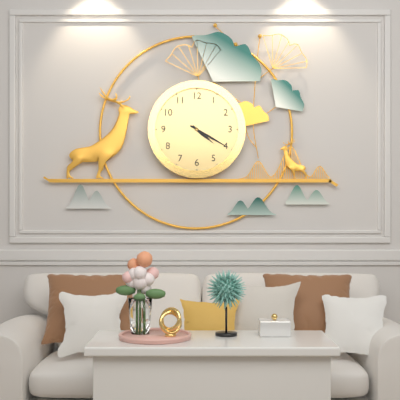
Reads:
h=4 m=20
